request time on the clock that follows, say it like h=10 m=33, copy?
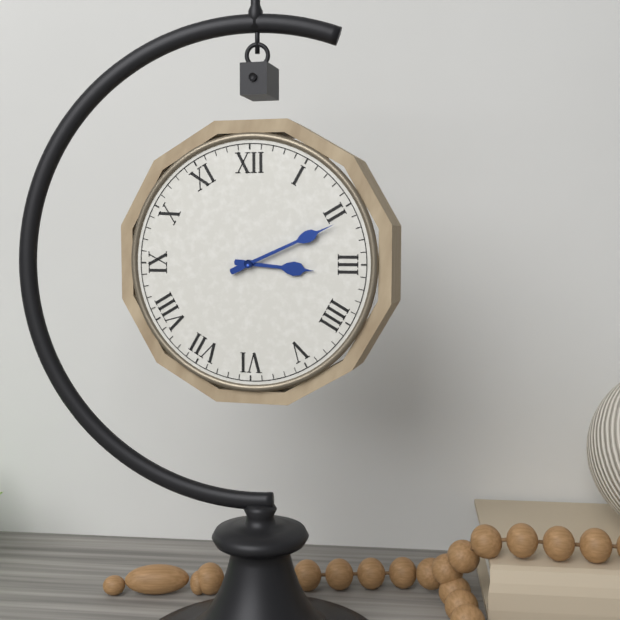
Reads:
h=3 m=11
